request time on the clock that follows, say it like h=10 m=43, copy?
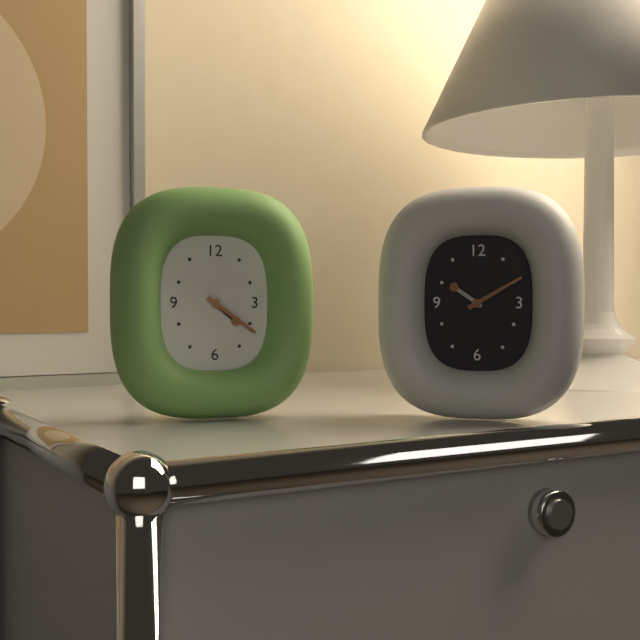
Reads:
h=4 m=21
